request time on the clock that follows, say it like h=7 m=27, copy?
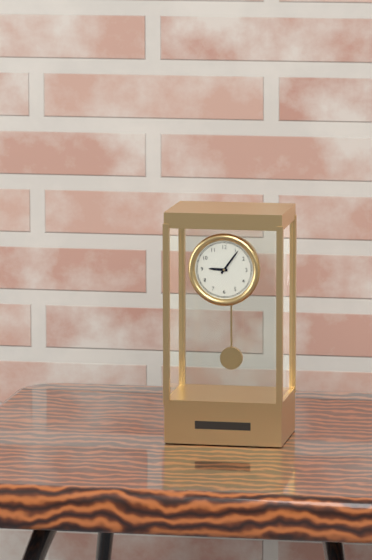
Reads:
h=9 m=6
